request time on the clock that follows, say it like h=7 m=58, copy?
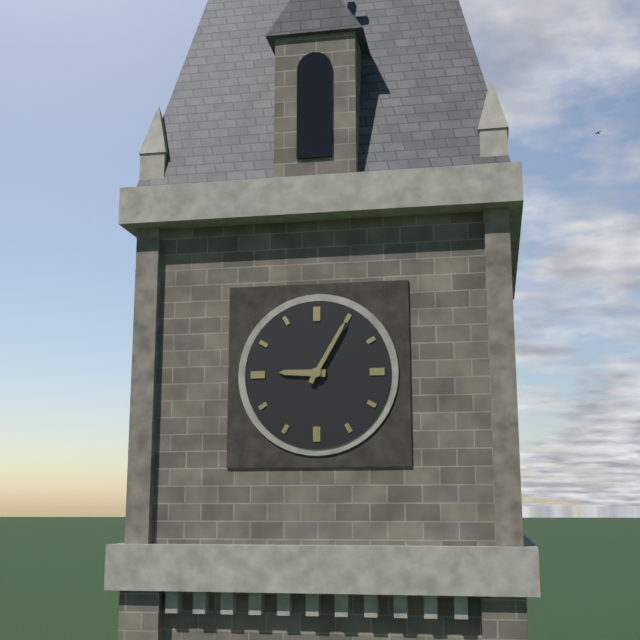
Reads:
h=9 m=5
